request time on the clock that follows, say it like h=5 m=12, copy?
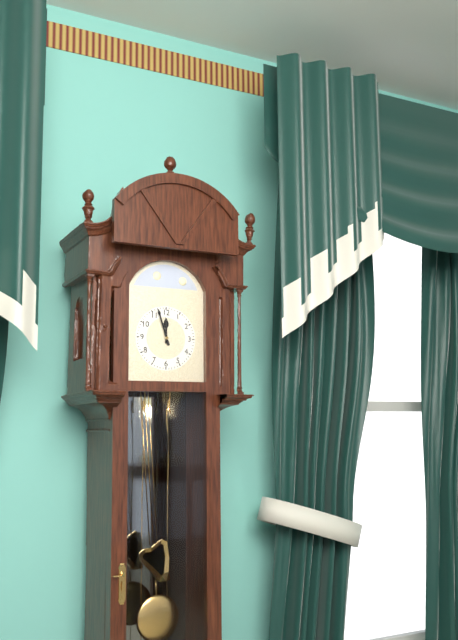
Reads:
h=11 m=57
